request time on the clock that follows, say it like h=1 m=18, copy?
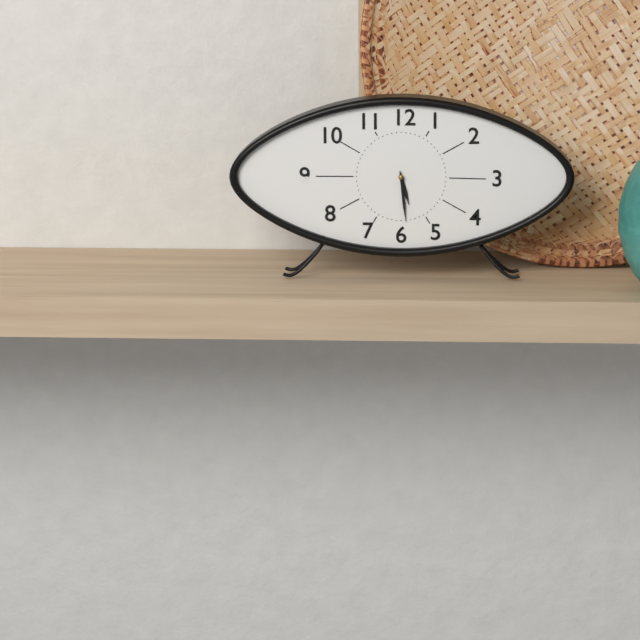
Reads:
h=5 m=29
